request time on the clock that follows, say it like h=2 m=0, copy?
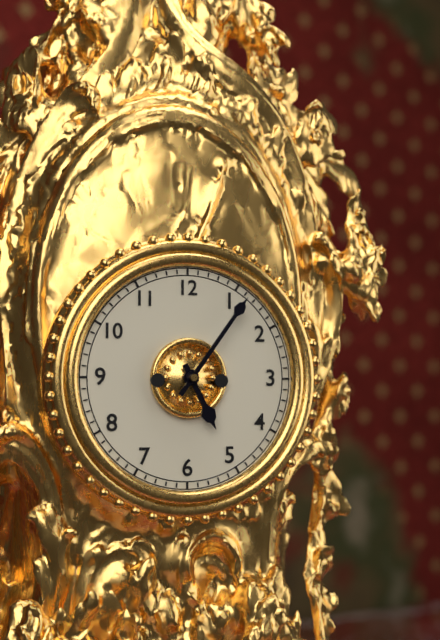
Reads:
h=5 m=6
